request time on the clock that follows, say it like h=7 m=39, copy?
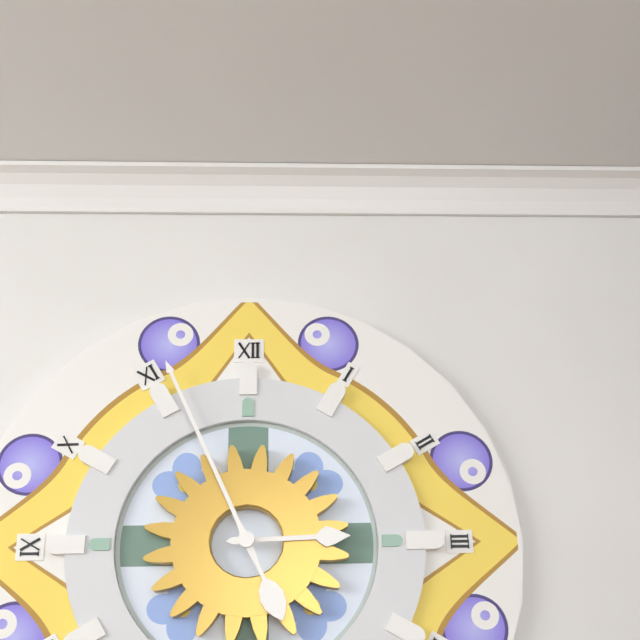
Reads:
h=2 m=56
